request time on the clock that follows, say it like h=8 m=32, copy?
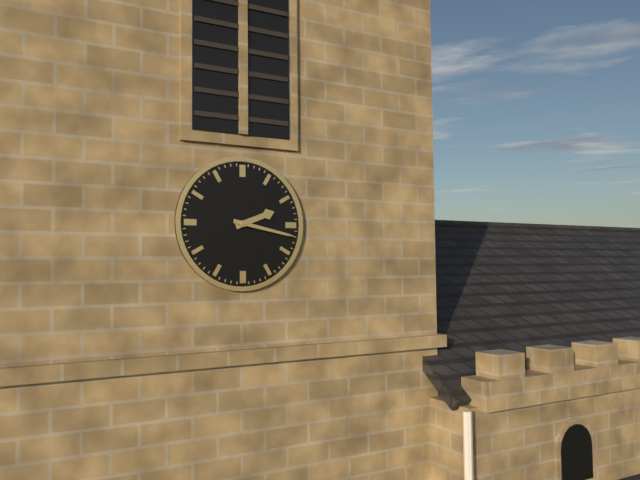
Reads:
h=2 m=17
